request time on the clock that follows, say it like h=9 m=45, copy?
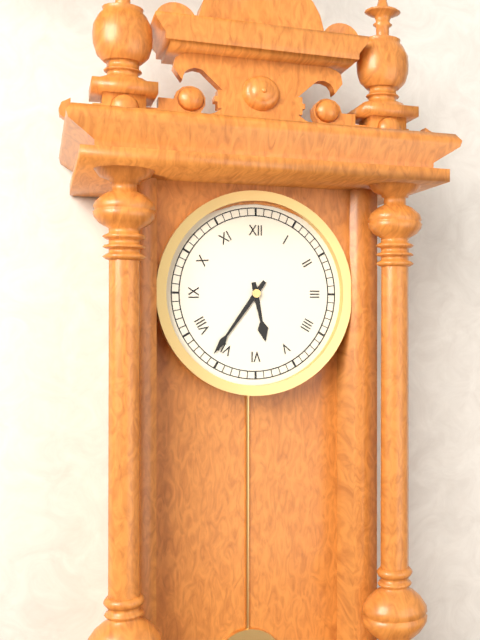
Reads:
h=5 m=36
